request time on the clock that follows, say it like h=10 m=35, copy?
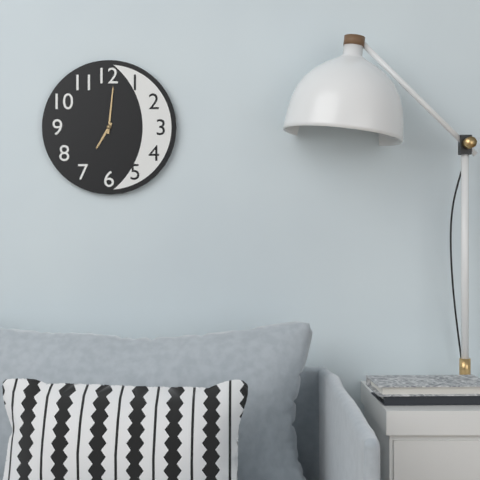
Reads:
h=7 m=1
